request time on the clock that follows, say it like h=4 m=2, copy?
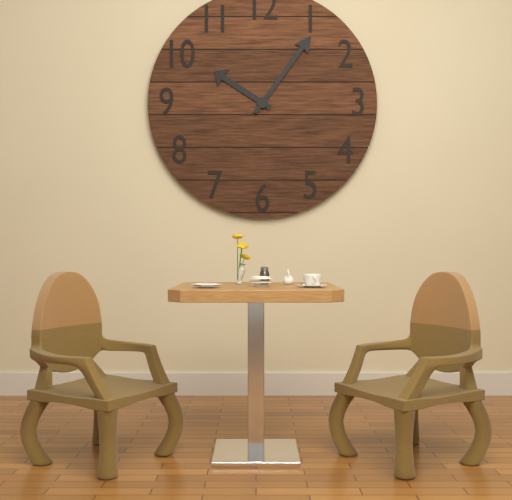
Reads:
h=10 m=6
